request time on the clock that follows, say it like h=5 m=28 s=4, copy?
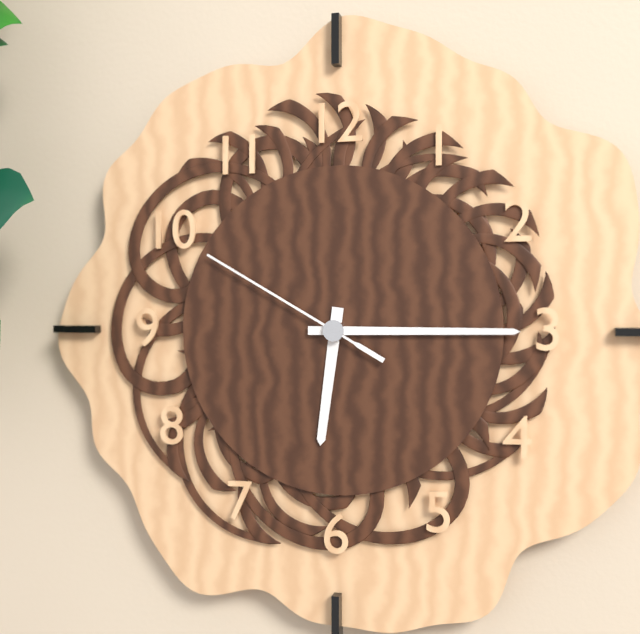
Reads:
h=6 m=15 s=50
